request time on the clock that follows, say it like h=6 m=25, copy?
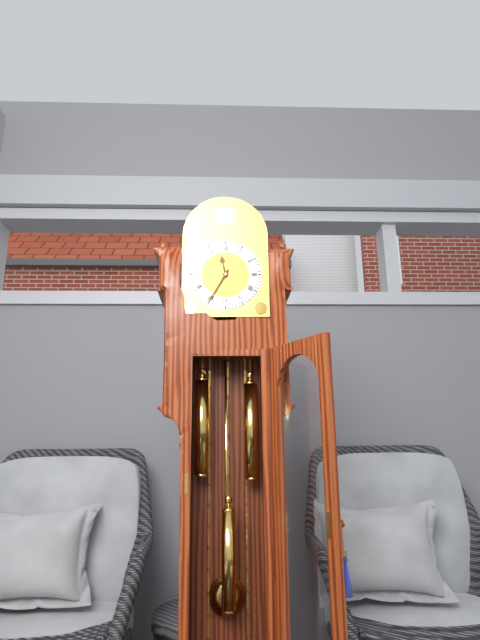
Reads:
h=11 m=35
